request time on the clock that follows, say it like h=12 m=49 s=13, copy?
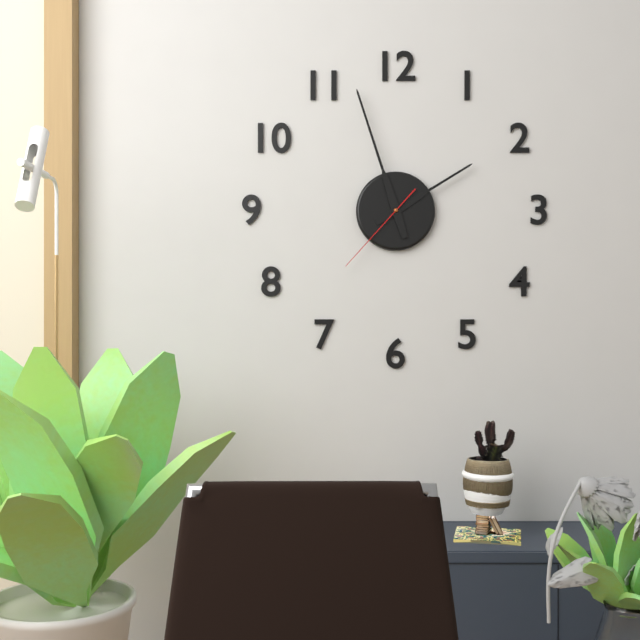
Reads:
h=1 m=57 s=37
